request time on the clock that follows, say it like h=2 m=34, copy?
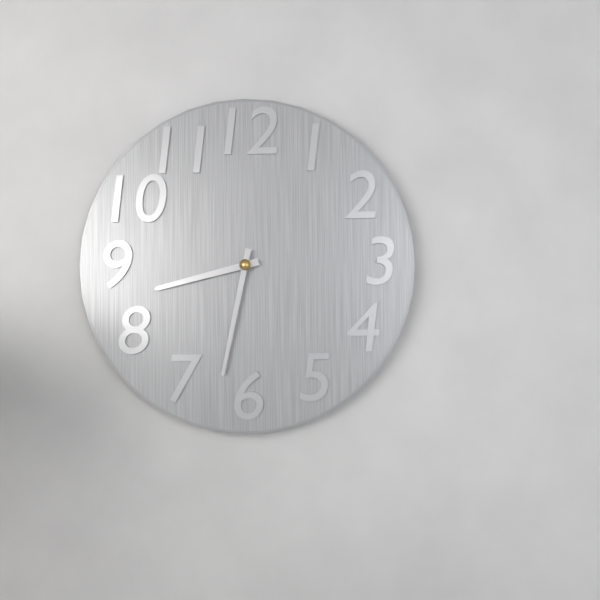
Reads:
h=8 m=32
